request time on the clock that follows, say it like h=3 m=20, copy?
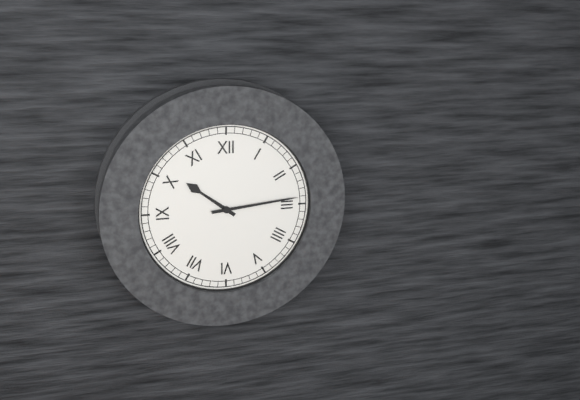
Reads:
h=10 m=14
